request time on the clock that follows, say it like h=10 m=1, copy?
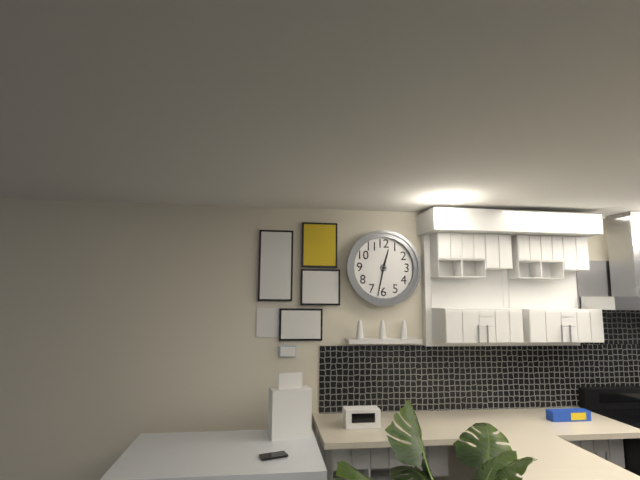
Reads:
h=12 m=32
